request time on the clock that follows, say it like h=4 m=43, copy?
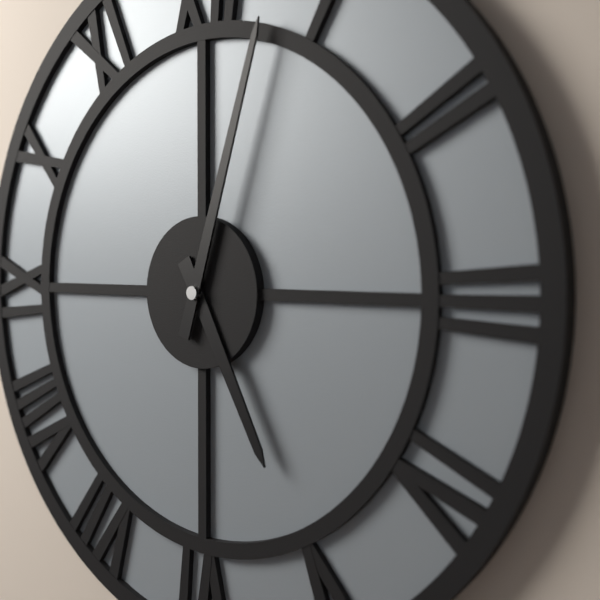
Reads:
h=5 m=3
